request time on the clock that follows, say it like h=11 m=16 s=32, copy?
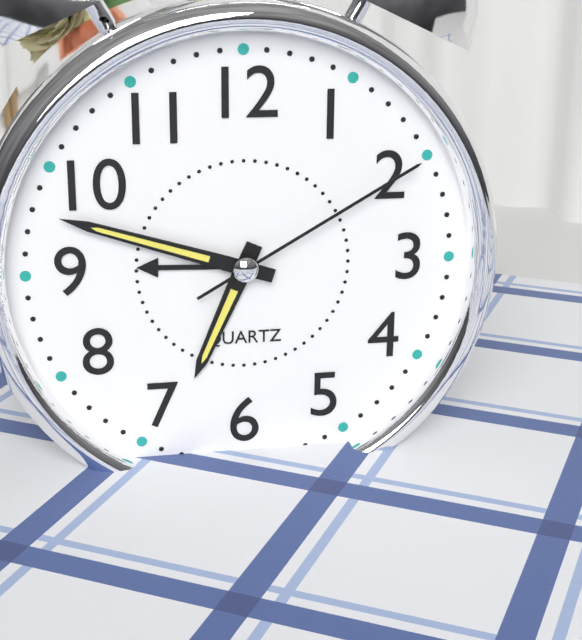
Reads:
h=6 m=48 s=10
